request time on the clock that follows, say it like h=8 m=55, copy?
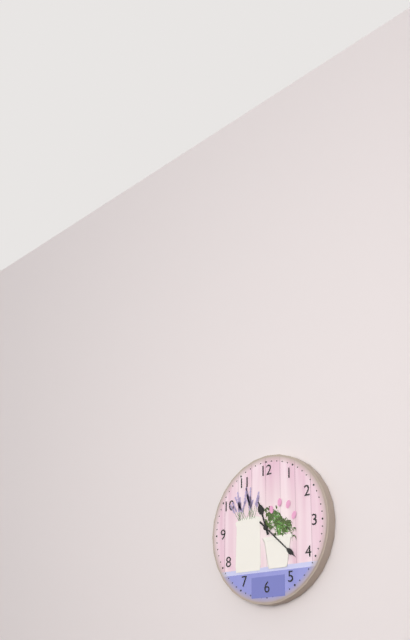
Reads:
h=11 m=22
